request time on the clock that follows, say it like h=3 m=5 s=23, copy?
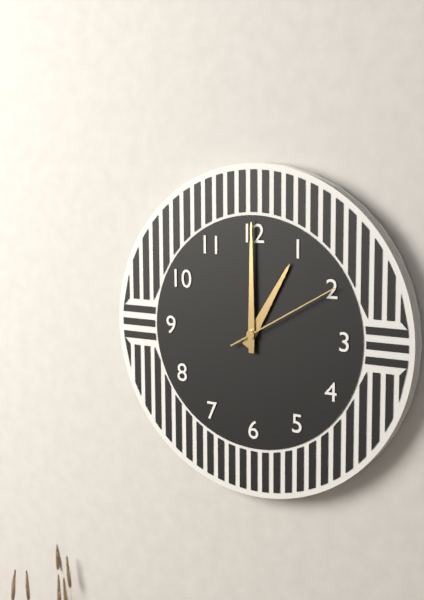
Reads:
h=1 m=0 s=10
